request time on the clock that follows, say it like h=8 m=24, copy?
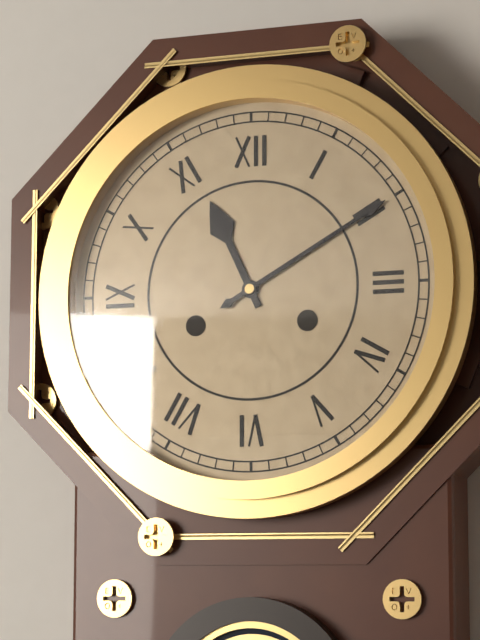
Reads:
h=11 m=10
